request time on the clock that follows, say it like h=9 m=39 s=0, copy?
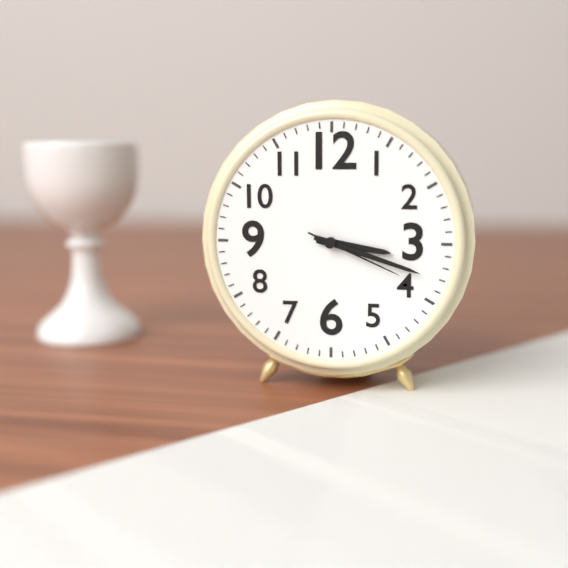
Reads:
h=3 m=18 s=19
